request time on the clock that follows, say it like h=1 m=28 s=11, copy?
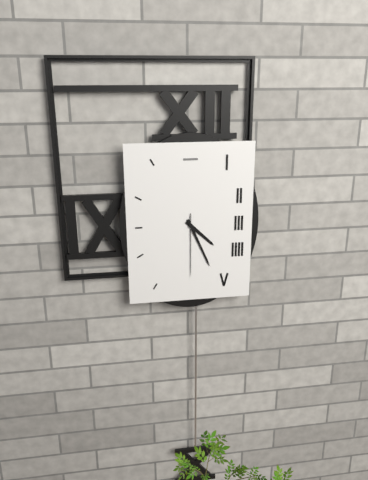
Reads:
h=4 m=26 s=30
